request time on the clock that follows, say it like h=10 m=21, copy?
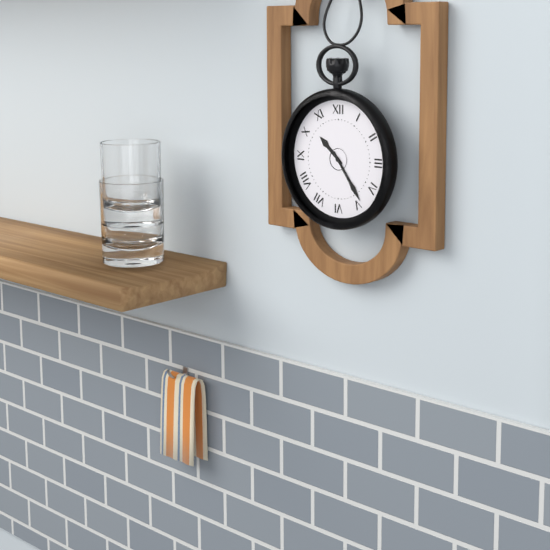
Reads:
h=10 m=24
